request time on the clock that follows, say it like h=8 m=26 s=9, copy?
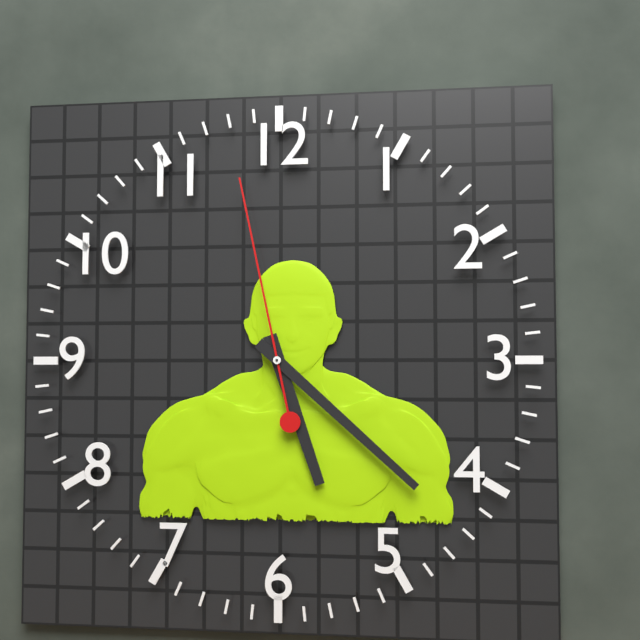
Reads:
h=5 m=22 s=58
